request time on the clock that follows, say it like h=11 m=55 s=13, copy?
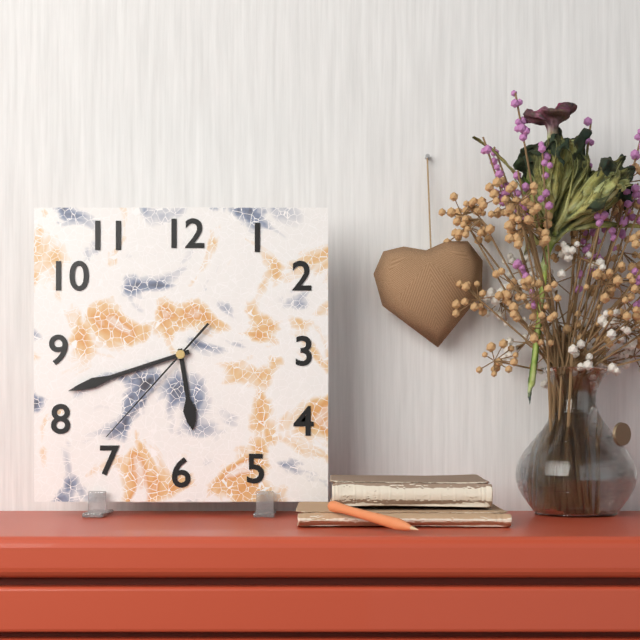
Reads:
h=5 m=42 s=37
